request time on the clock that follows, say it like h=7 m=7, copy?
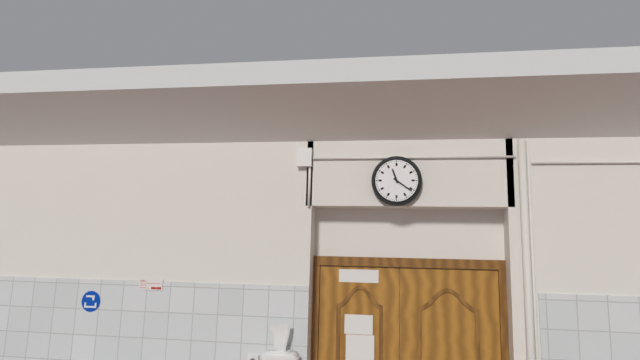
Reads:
h=11 m=21
